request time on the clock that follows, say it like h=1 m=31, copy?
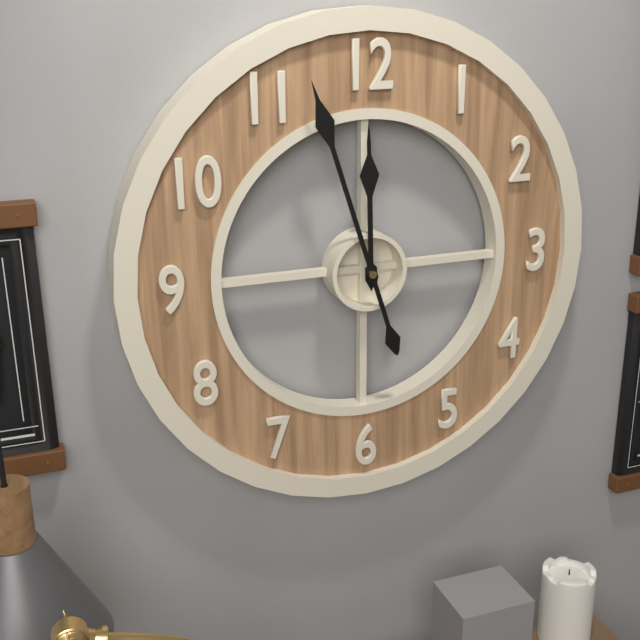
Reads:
h=11 m=57
